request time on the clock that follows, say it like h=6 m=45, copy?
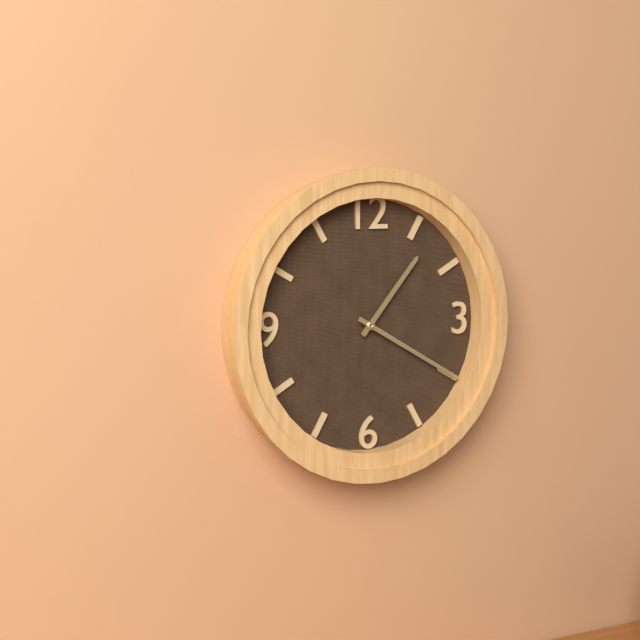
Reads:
h=1 m=20
